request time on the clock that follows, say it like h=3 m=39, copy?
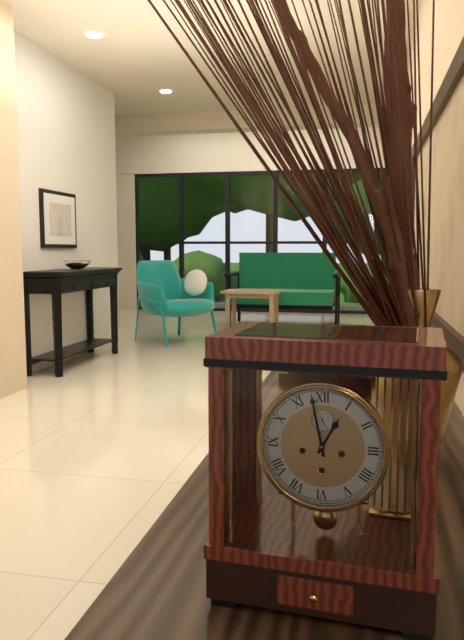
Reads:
h=12 m=58
